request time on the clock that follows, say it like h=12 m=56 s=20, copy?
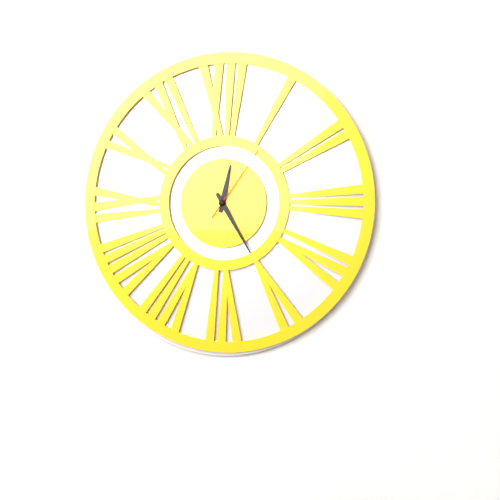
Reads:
h=12 m=25 s=6
